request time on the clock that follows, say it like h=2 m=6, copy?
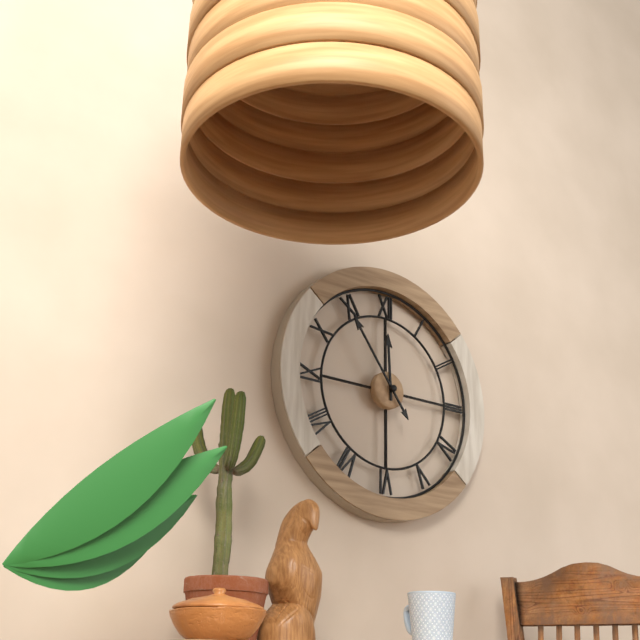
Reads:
h=11 m=54
